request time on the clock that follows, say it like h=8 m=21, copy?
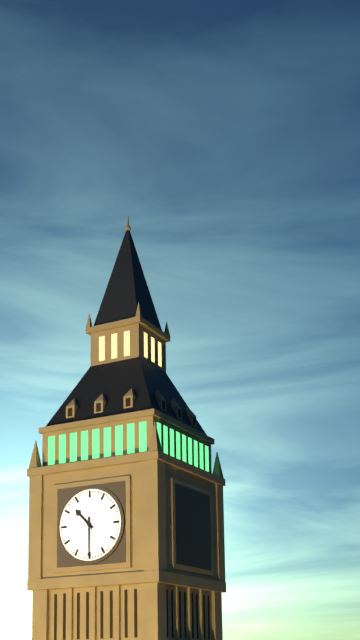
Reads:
h=10 m=30
